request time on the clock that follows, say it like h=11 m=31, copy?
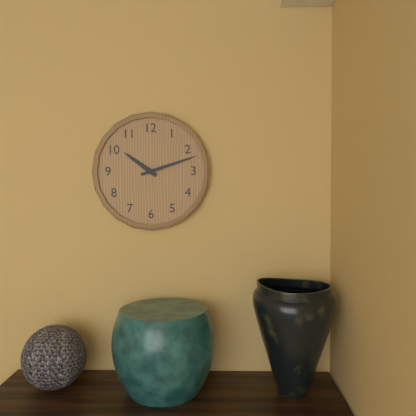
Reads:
h=10 m=12
